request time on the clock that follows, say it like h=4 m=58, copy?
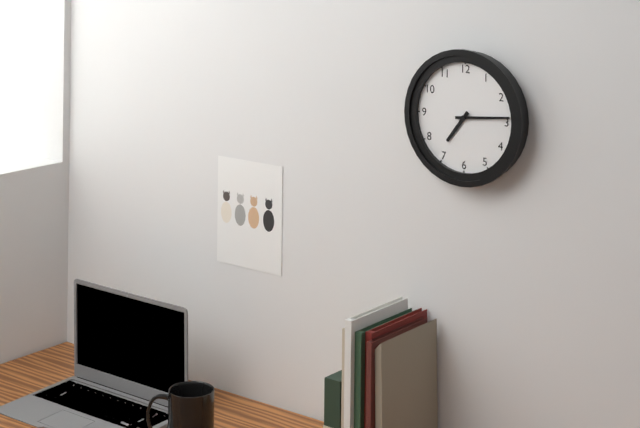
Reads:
h=7 m=14
